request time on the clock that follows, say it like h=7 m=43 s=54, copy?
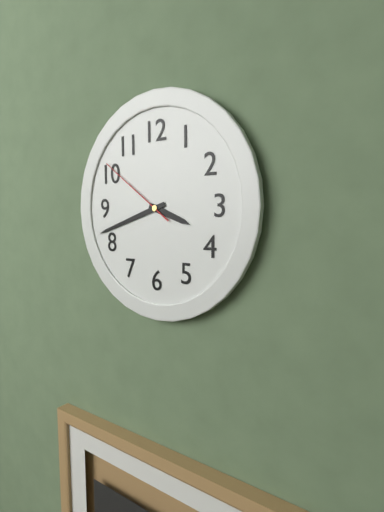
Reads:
h=3 m=42 s=51
